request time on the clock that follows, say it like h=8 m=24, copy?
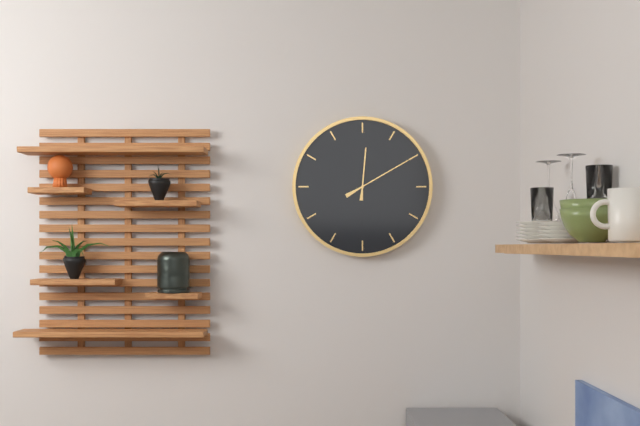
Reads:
h=12 m=10
